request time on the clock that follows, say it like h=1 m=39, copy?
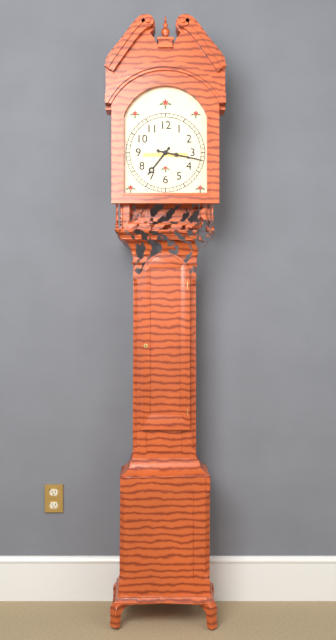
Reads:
h=7 m=17
